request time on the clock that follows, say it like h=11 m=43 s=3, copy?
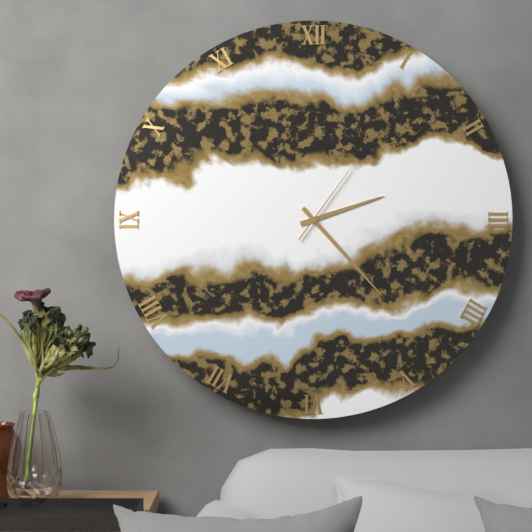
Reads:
h=2 m=23 s=6
